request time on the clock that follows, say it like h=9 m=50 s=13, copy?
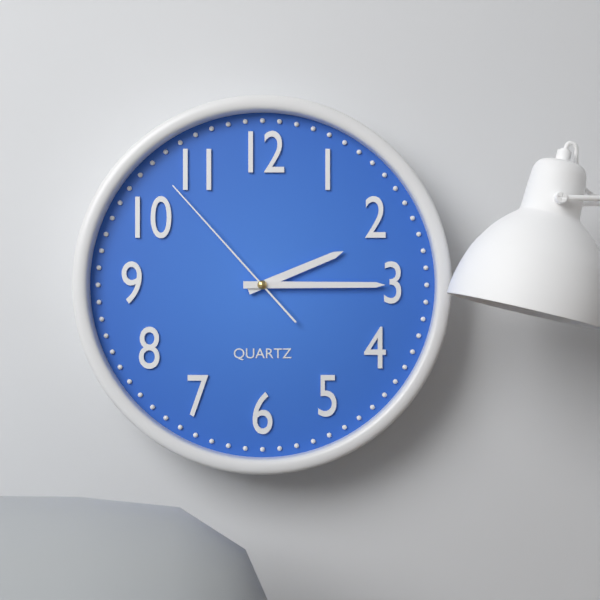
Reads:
h=2 m=15 s=53
